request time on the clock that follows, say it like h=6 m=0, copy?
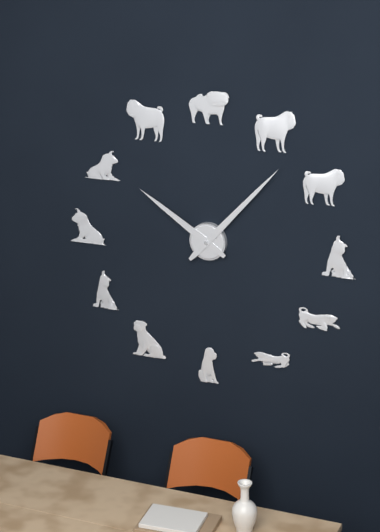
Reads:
h=10 m=7
